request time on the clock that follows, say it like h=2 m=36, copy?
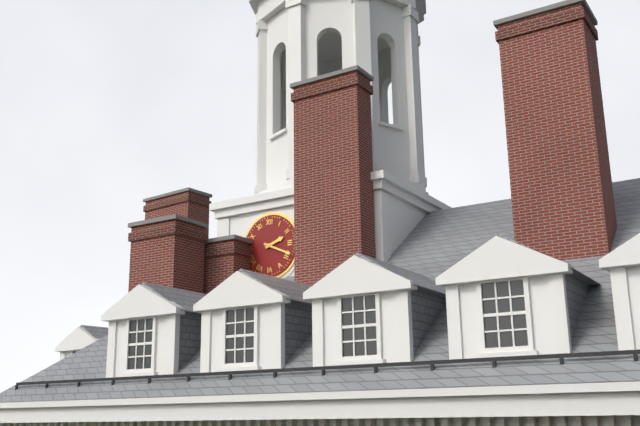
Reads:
h=2 m=19
